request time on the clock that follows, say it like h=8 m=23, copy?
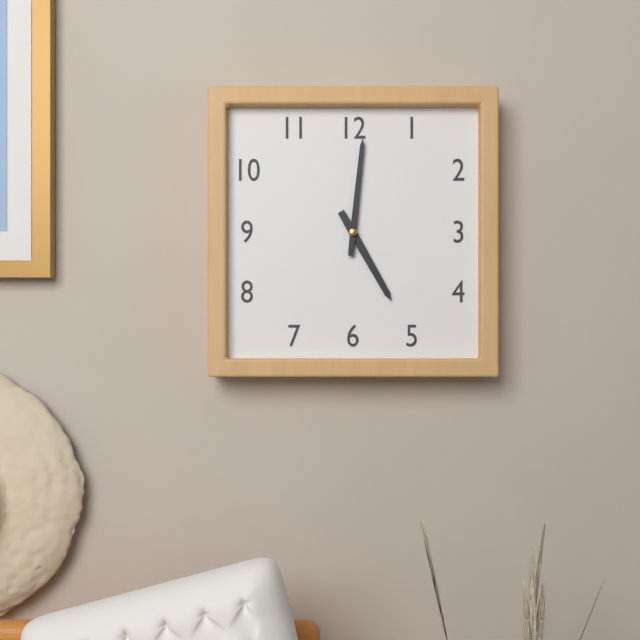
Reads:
h=5 m=1
